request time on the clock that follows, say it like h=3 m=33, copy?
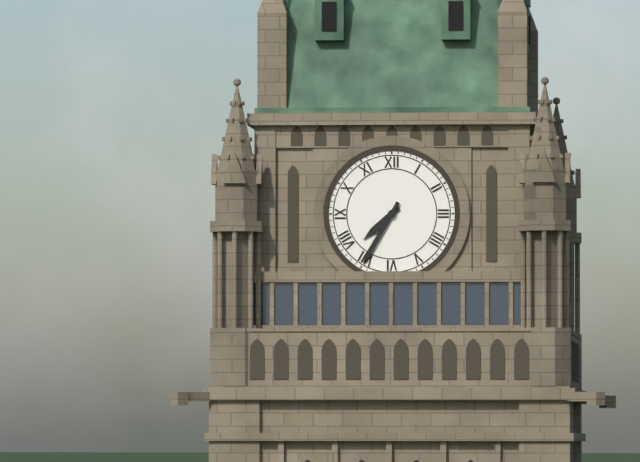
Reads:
h=7 m=35
